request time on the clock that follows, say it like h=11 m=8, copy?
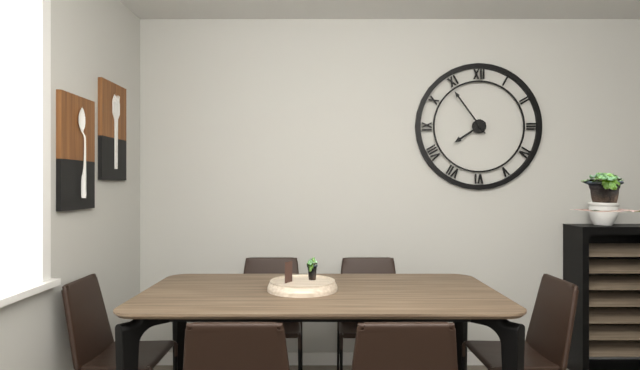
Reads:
h=7 m=54
